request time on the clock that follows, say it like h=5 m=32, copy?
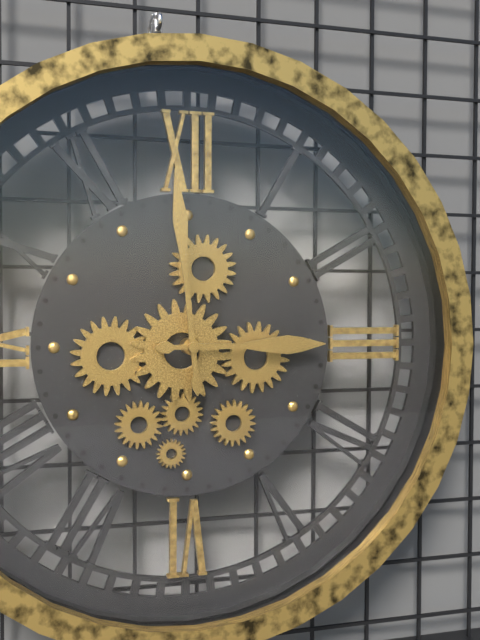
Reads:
h=2 m=59
